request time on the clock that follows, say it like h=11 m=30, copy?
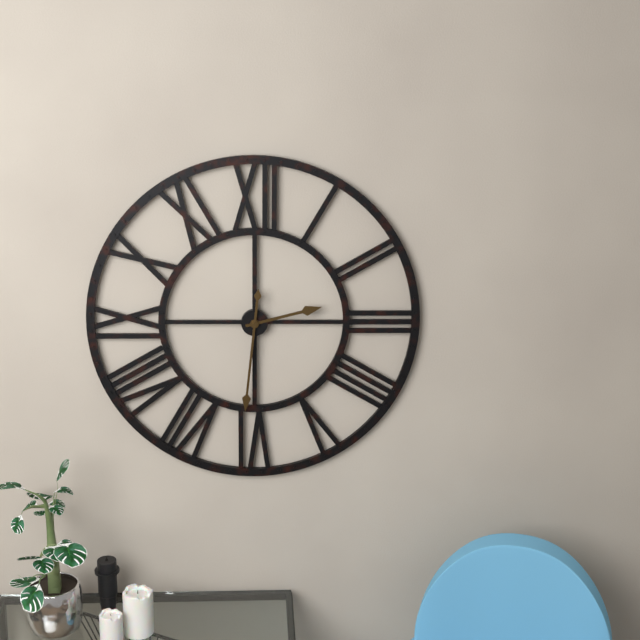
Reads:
h=2 m=31
